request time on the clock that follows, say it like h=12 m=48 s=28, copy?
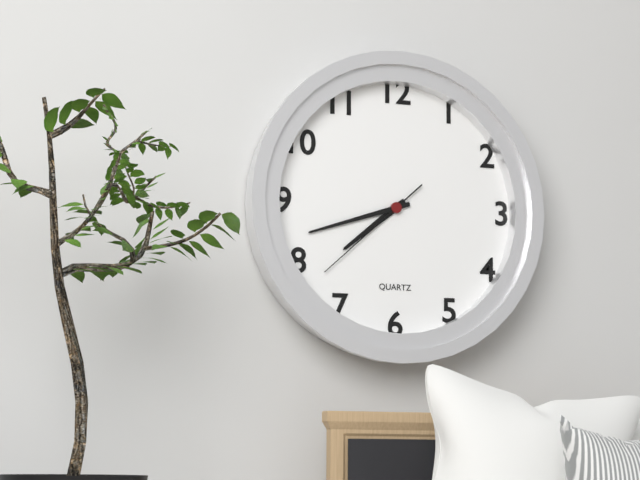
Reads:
h=7 m=42 s=38
